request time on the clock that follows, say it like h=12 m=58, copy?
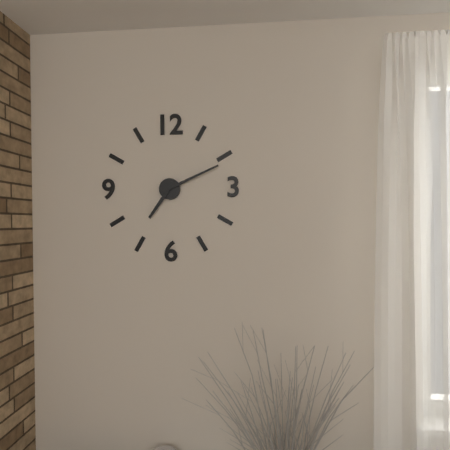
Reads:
h=7 m=11
